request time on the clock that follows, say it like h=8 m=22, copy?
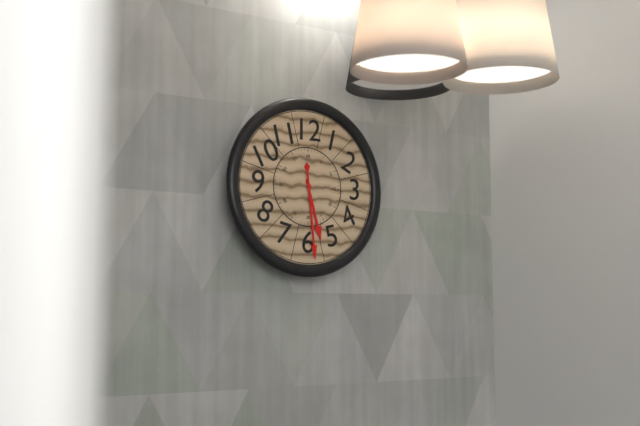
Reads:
h=5 m=29
